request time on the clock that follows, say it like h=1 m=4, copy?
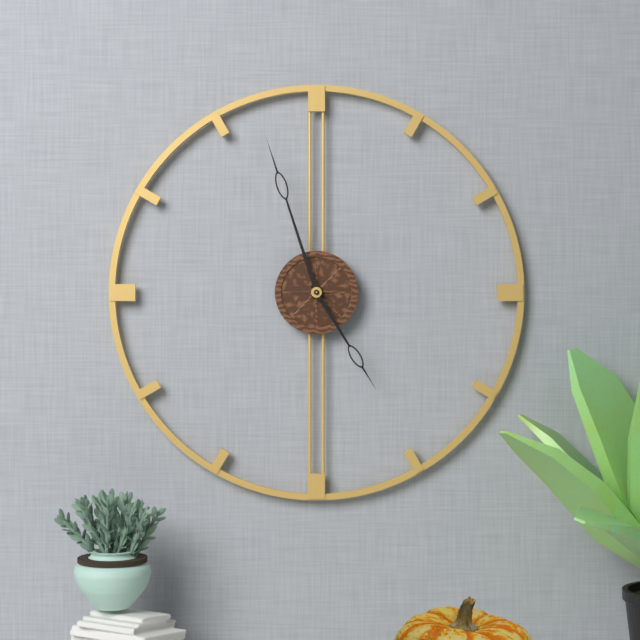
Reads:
h=4 m=57
